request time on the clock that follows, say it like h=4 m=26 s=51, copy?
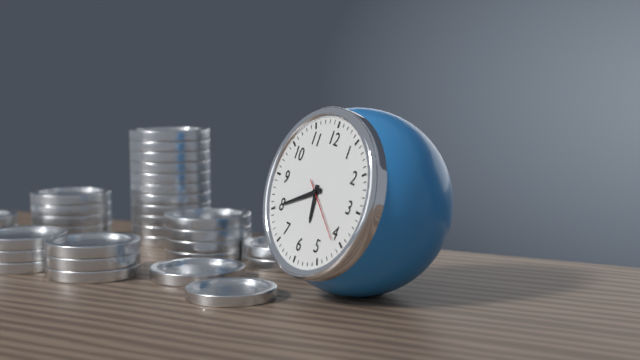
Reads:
h=5 m=40 s=21
